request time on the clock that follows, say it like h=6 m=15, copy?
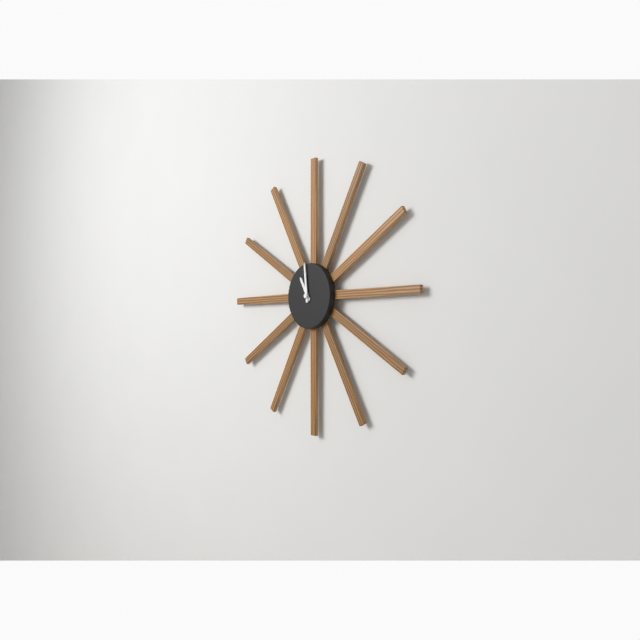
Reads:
h=10 m=59
